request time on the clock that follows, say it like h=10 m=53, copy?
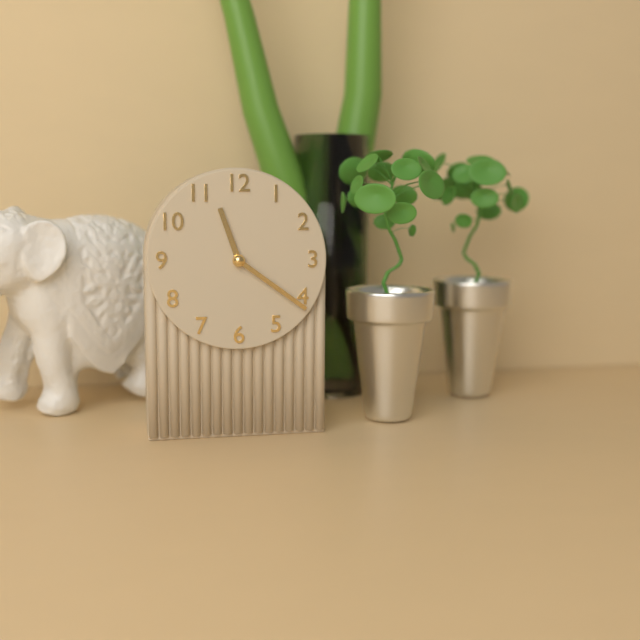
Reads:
h=11 m=21
